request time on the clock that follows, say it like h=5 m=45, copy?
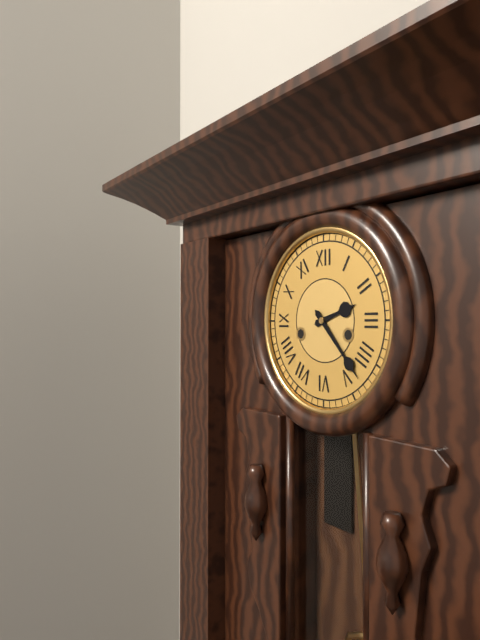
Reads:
h=2 m=23
